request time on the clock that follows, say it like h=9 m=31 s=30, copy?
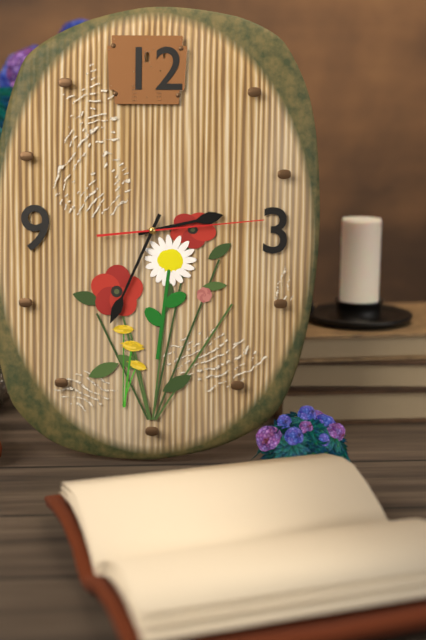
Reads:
h=2 m=34 s=14
